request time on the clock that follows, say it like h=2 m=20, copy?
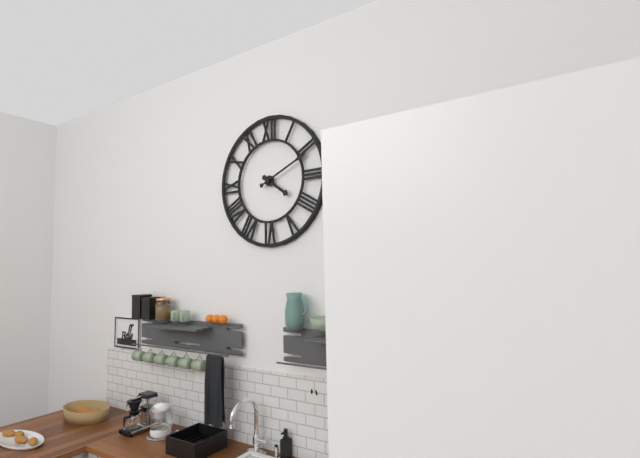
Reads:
h=4 m=11
